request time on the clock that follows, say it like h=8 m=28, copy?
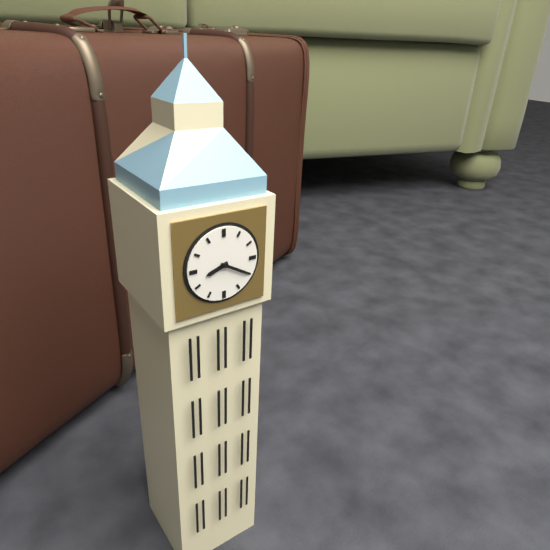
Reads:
h=8 m=20
